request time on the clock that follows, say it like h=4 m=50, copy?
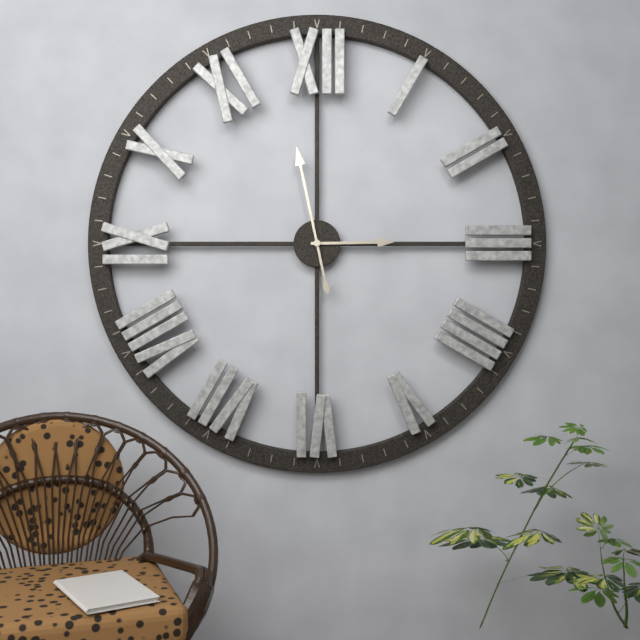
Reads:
h=2 m=58
